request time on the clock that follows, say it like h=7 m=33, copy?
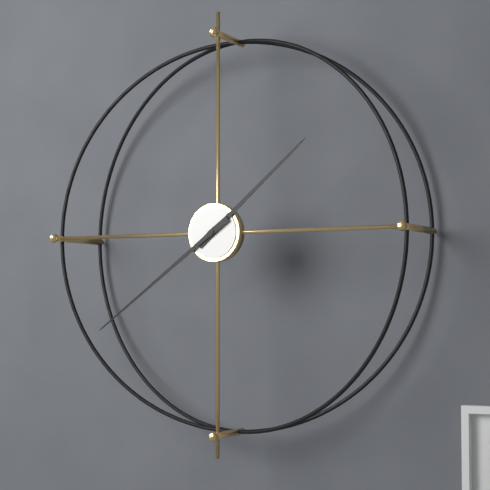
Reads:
h=1 m=39
